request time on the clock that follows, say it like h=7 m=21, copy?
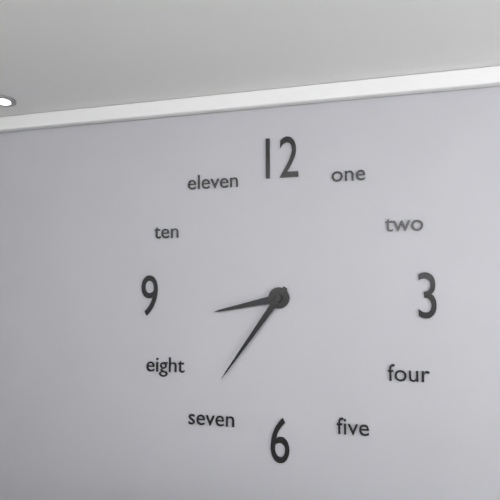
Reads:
h=8 m=36
